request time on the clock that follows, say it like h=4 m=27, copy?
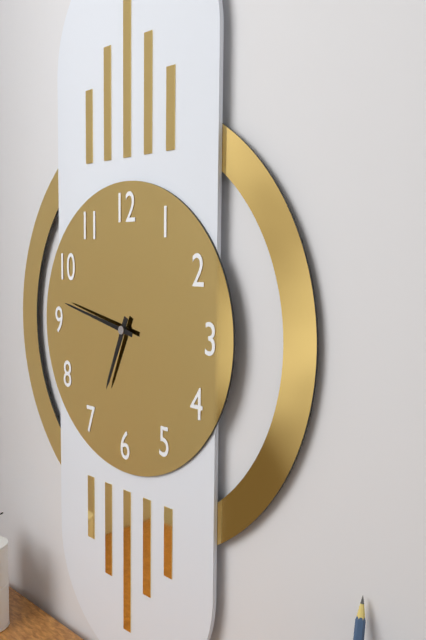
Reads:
h=6 m=47
